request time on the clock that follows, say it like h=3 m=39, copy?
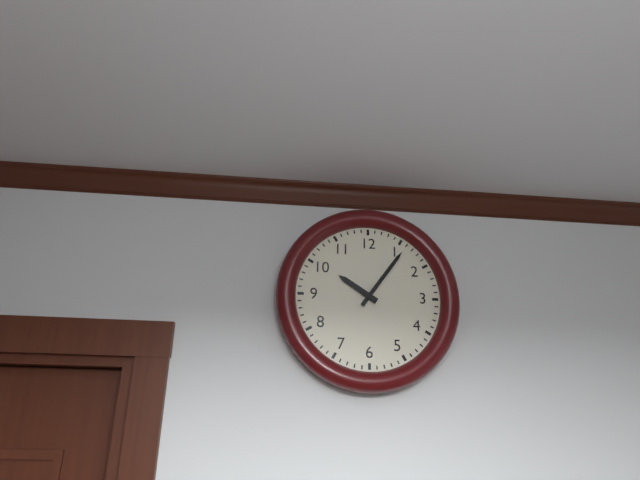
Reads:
h=10 m=6
